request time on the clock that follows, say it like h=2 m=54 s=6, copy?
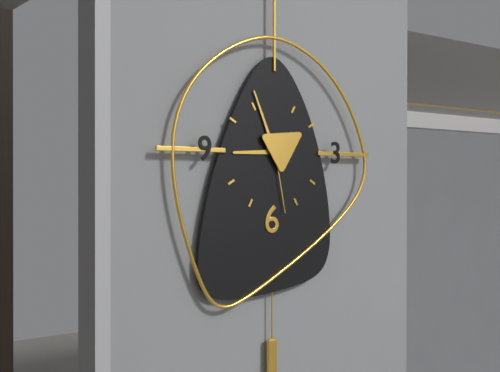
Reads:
h=8 m=56 s=28
